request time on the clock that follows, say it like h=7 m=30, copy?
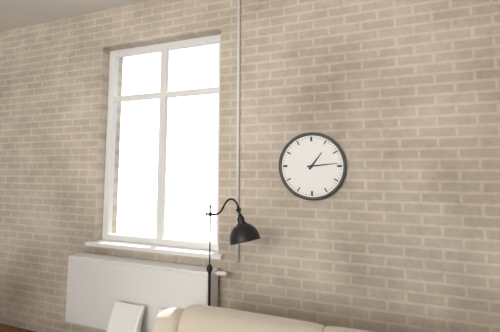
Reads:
h=1 m=14
